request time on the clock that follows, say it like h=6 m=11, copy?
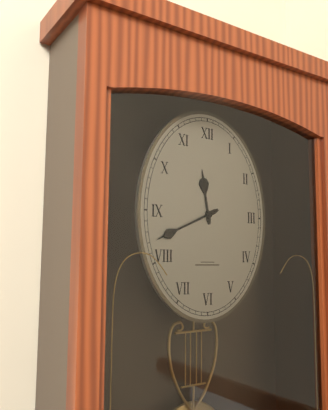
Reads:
h=11 m=41
